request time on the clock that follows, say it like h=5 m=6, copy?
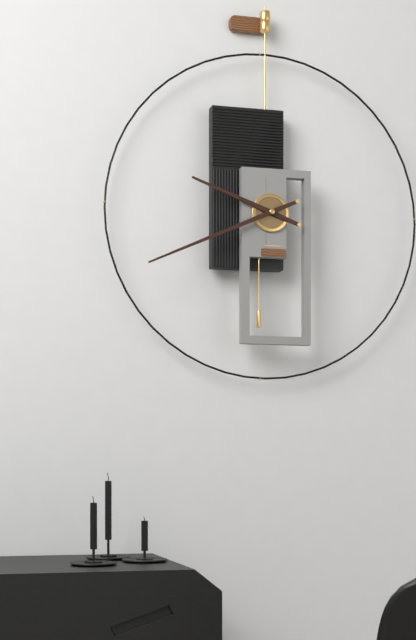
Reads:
h=9 m=41
